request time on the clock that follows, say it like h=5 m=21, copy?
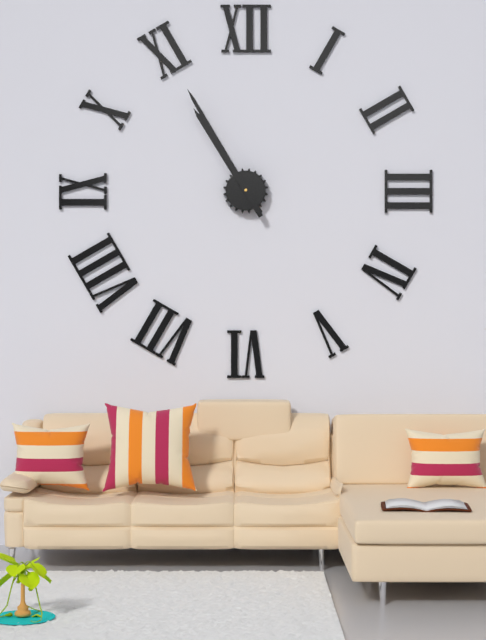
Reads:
h=10 m=55
